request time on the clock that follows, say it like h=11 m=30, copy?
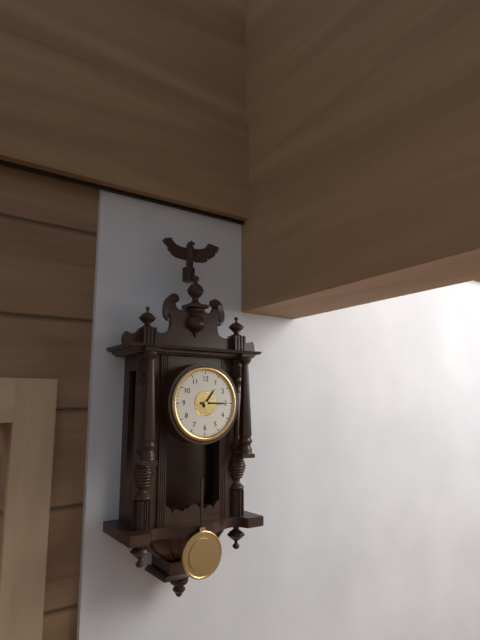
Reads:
h=1 m=15
